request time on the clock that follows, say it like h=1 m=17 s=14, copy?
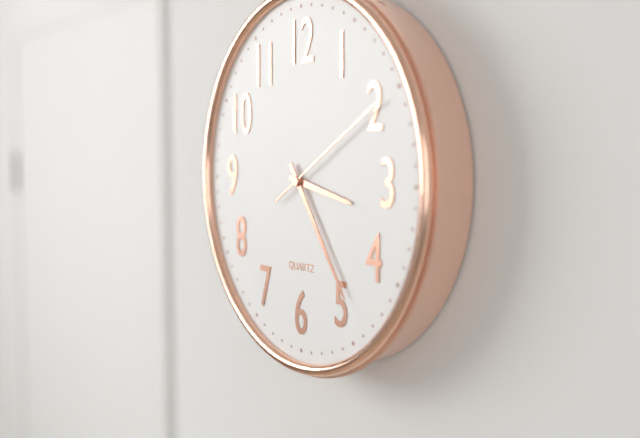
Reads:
h=3 m=24 s=10
